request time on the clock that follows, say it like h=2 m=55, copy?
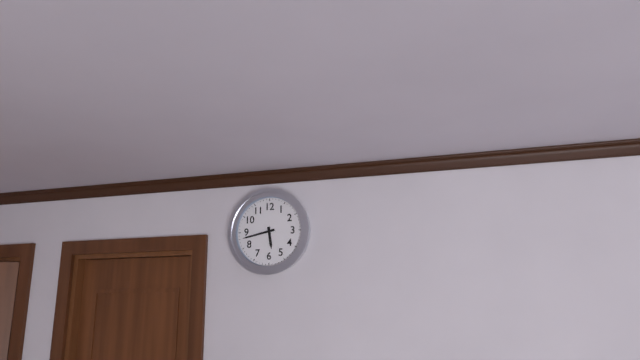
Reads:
h=5 m=43
